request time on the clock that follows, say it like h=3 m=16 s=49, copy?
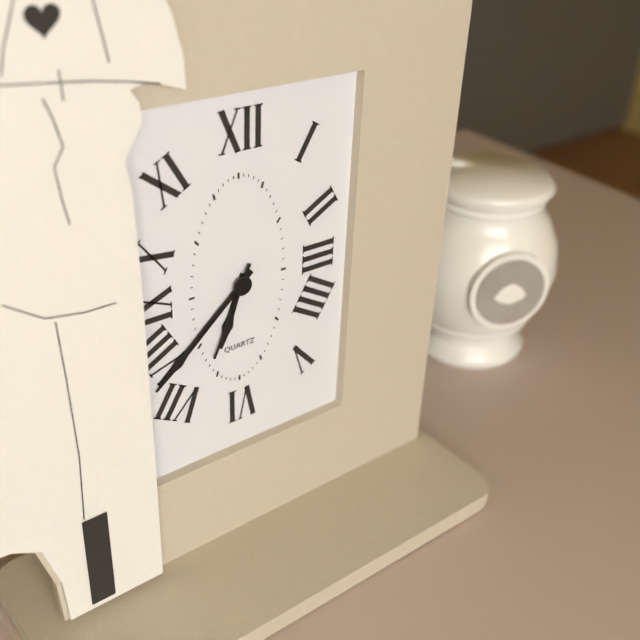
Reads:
h=6 m=38 s=34
